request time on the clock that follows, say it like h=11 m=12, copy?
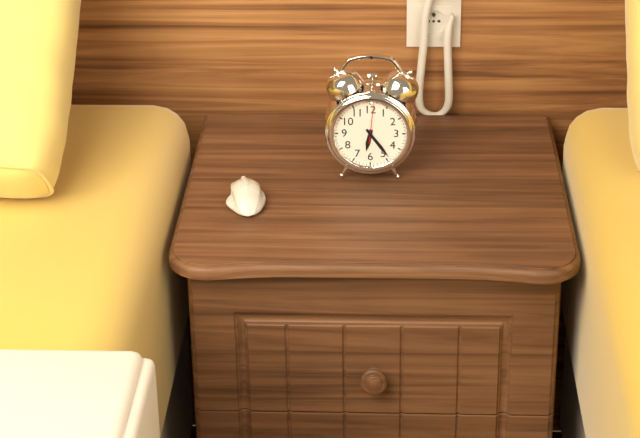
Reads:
h=6 m=24
